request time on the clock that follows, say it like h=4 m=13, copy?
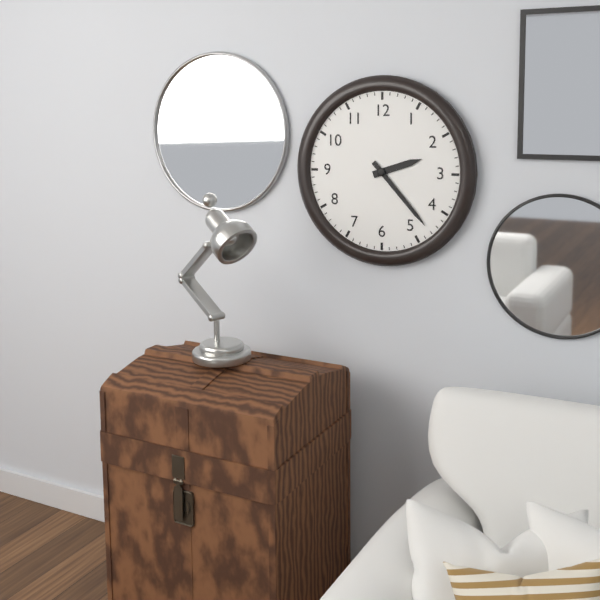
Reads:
h=2 m=23
